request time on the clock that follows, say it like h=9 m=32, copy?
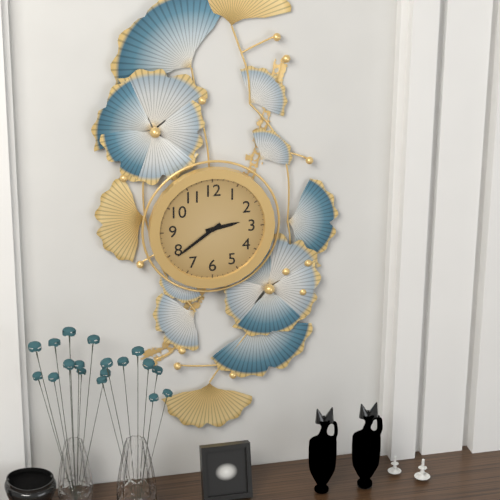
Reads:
h=2 m=39
